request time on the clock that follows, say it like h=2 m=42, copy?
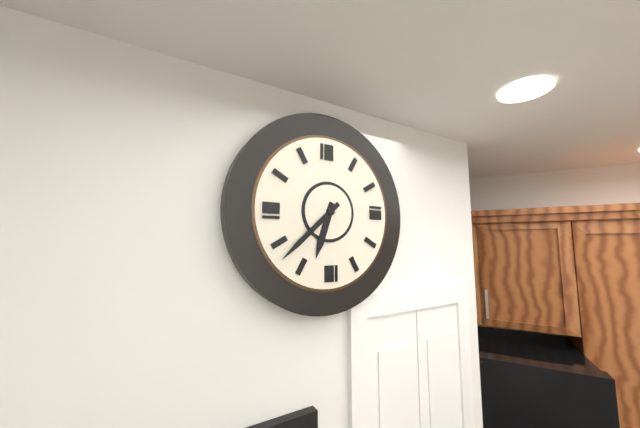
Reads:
h=6 m=38
